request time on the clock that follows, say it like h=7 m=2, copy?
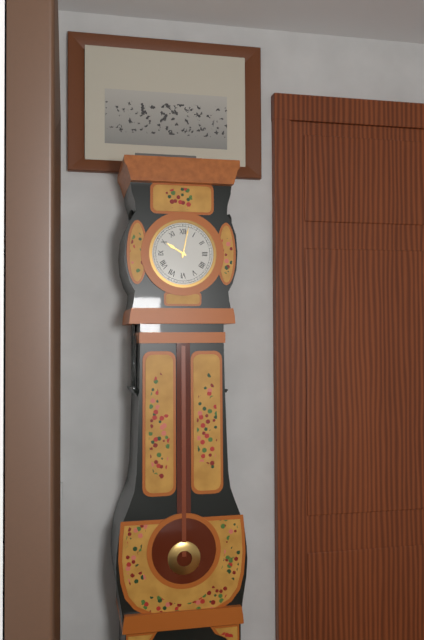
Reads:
h=10 m=2
